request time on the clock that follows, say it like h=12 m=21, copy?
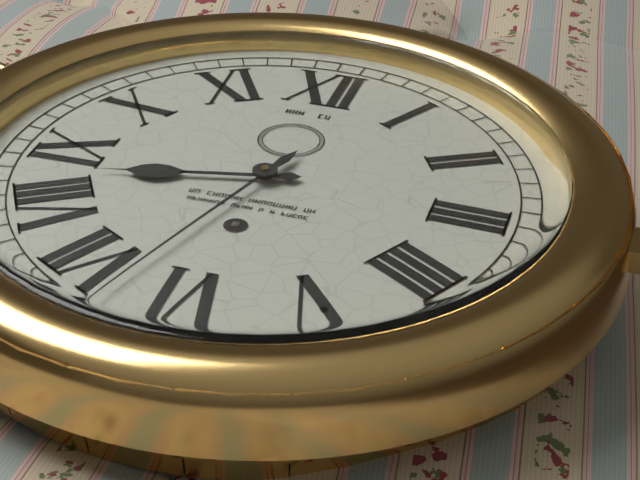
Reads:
h=8 m=33
